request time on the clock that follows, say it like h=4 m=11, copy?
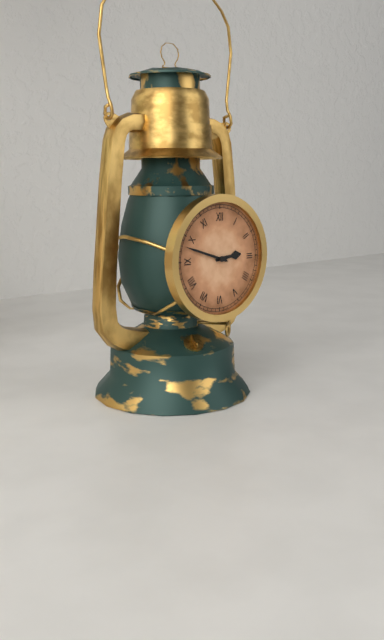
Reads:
h=2 m=48
